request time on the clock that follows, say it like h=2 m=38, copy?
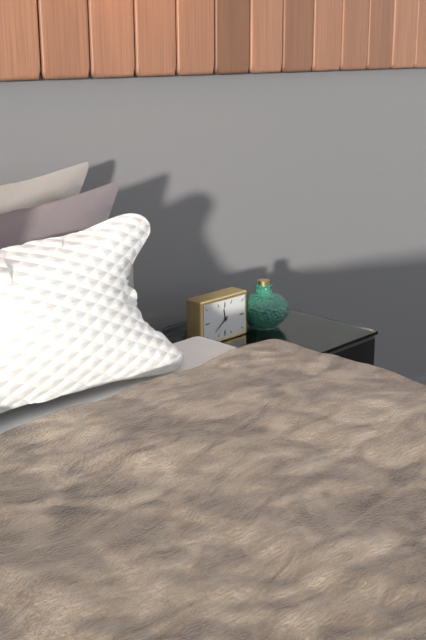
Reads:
h=11 m=39
